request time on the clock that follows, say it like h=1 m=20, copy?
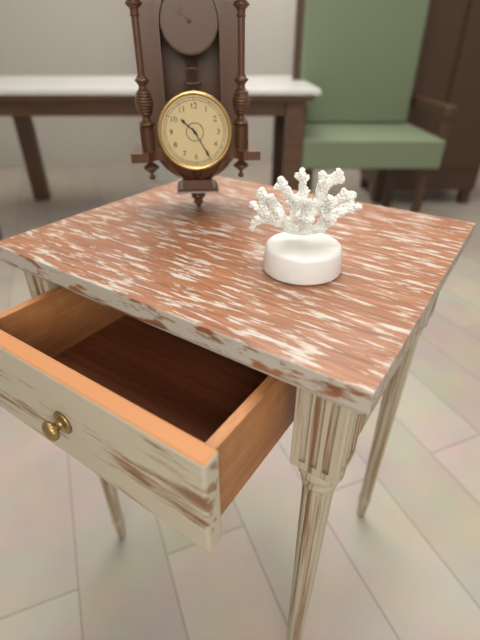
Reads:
h=10 m=25
